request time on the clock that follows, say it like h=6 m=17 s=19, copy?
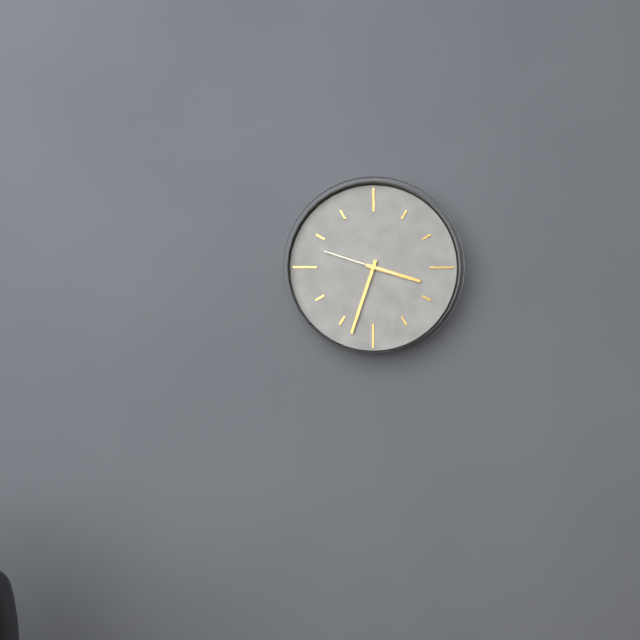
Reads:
h=3 m=33 s=48
